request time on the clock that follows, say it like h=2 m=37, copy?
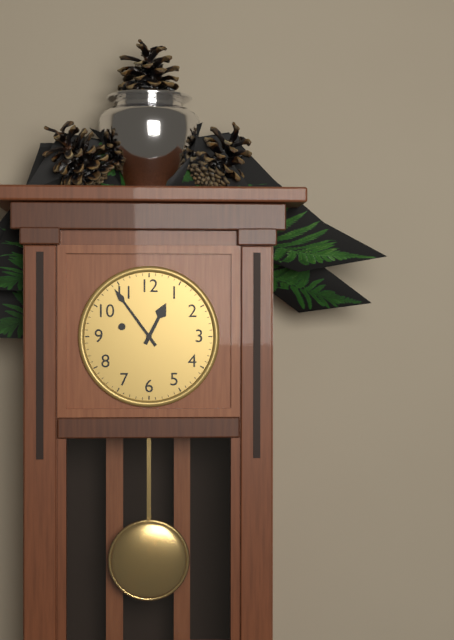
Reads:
h=12 m=54
